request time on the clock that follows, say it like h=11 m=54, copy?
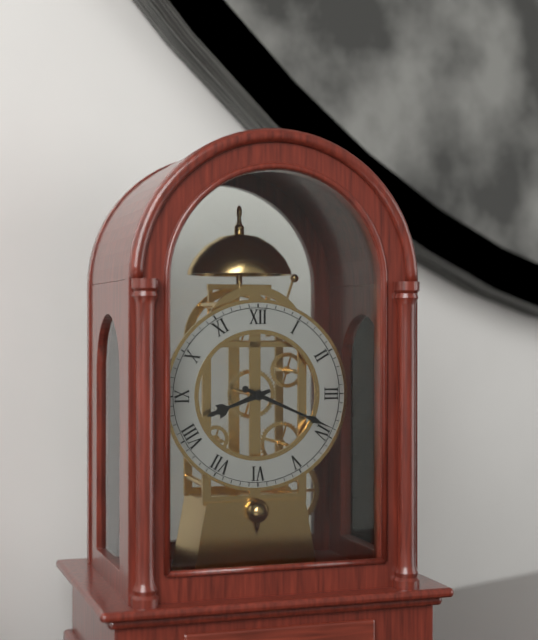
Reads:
h=8 m=19
